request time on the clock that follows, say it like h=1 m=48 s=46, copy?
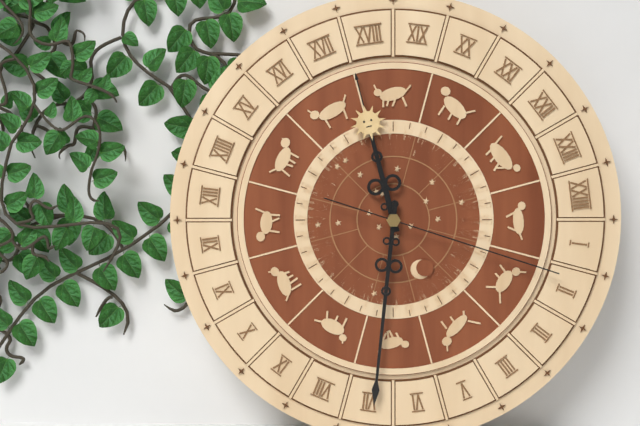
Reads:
h=11 m=31 s=18
